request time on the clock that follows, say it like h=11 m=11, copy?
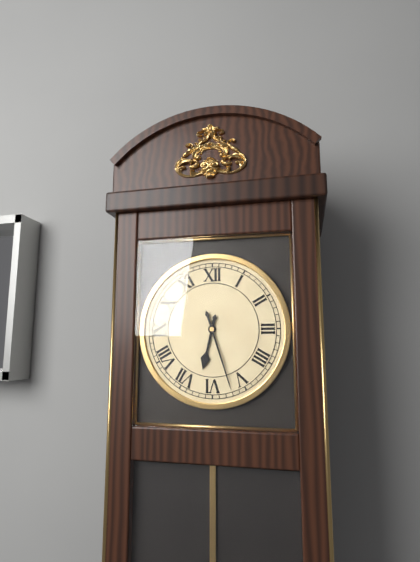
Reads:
h=6 m=27
